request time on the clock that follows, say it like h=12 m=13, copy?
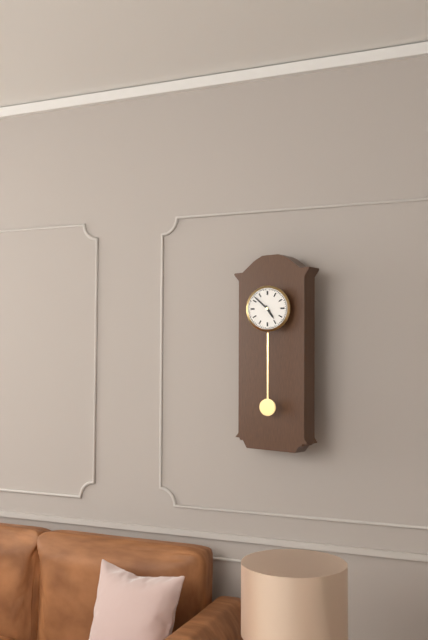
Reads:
h=4 m=52
